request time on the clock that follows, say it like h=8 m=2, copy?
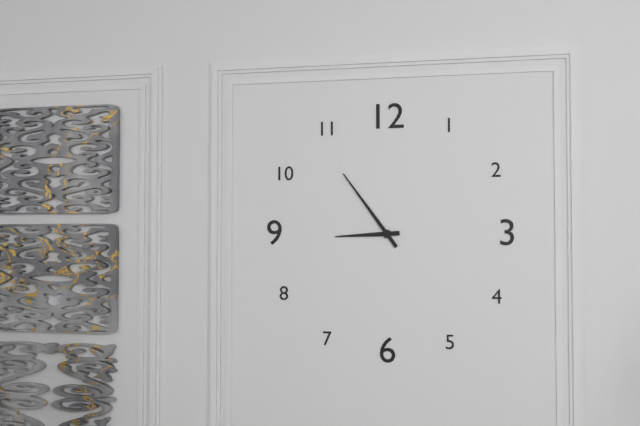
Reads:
h=8 m=54
